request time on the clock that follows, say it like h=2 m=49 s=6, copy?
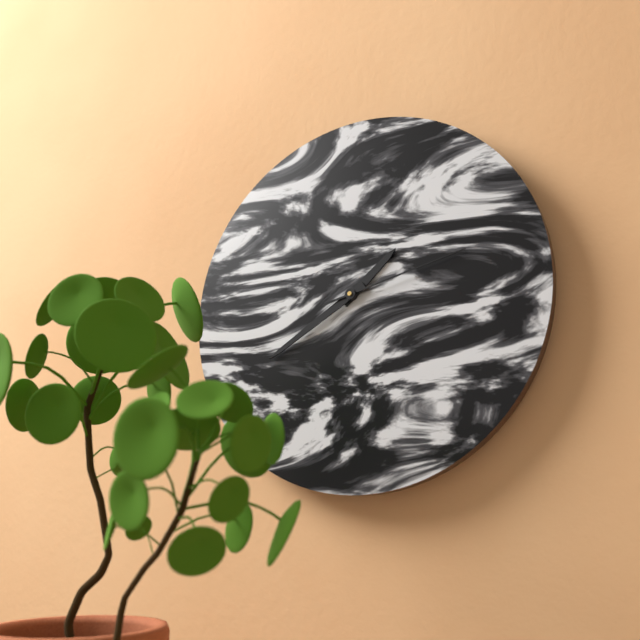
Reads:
h=1 m=40 s=13
